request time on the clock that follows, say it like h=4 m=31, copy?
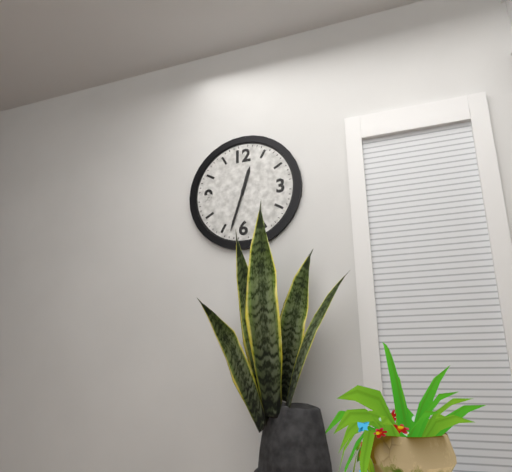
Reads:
h=12 m=33
